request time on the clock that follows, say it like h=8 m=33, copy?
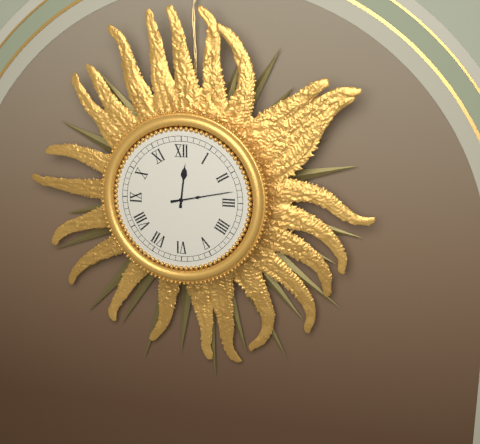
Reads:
h=12 m=13
